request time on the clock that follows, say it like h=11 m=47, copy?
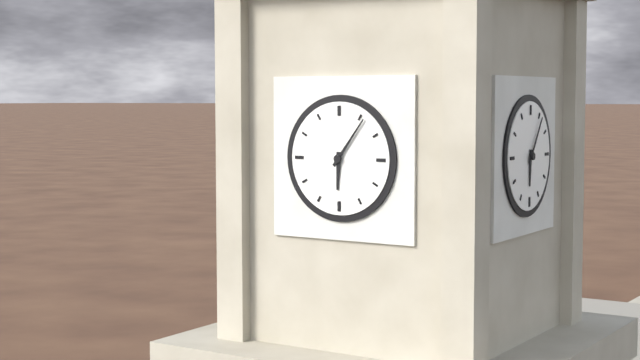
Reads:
h=6 m=6
